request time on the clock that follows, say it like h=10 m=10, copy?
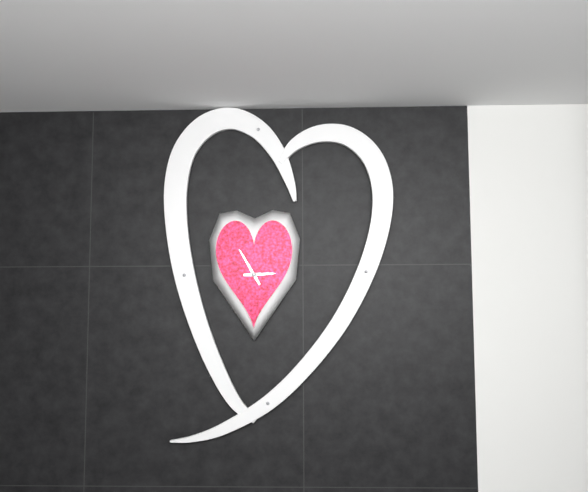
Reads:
h=2 m=55
